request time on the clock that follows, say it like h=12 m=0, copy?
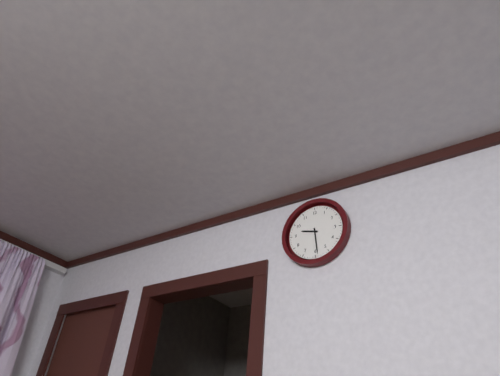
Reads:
h=9 m=29
